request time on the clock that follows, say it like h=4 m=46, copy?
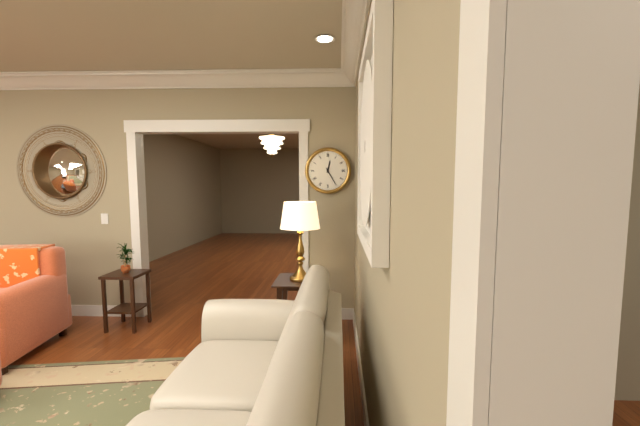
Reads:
h=12 m=25
